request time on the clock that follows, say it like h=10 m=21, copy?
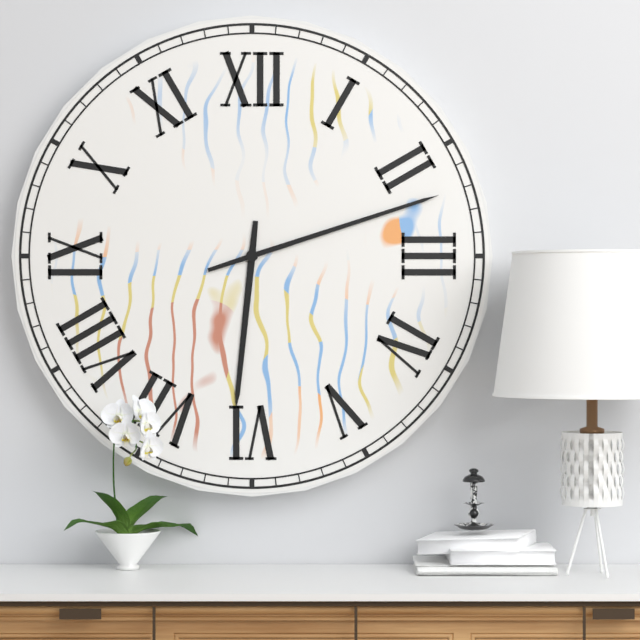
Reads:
h=6 m=12
